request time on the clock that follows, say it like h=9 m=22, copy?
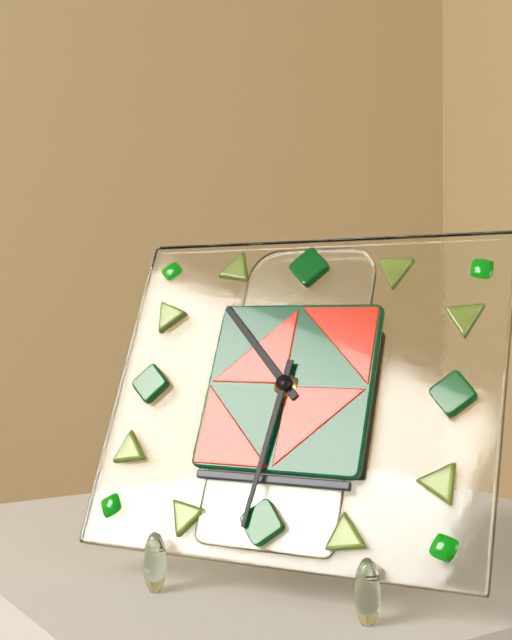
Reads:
h=10 m=31
